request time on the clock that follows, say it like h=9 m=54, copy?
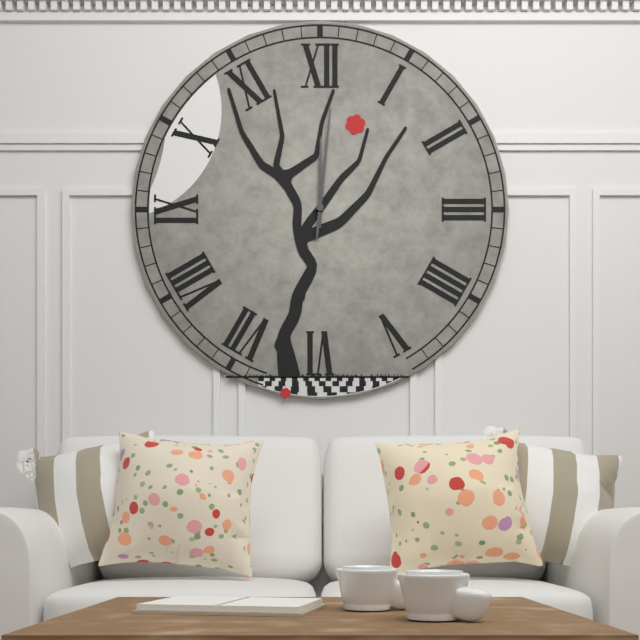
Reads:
h=12 m=1
